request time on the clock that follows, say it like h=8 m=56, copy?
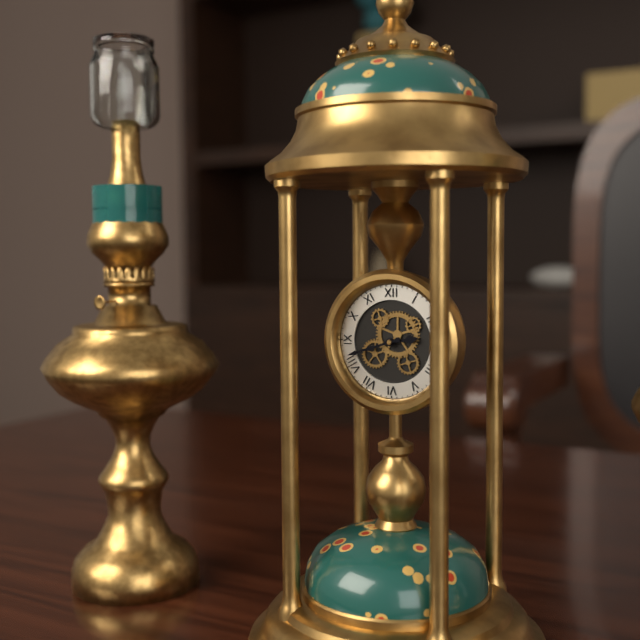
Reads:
h=2 m=42
